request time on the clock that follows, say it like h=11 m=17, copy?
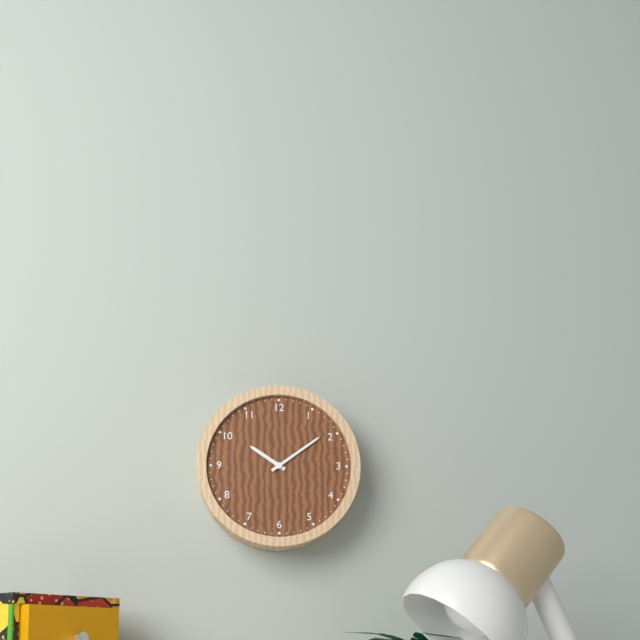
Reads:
h=10 m=9
